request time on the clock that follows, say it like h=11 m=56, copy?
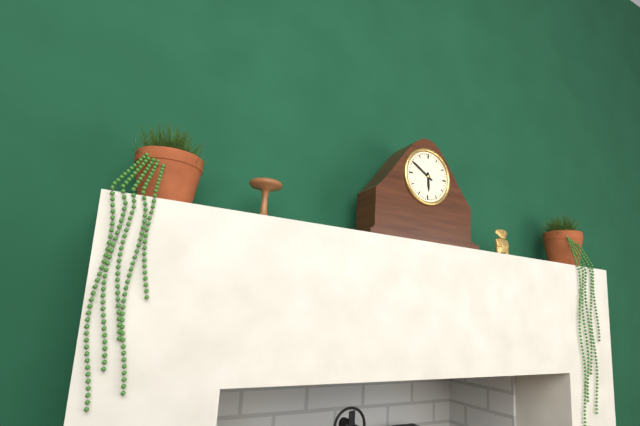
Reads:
h=5 m=50
